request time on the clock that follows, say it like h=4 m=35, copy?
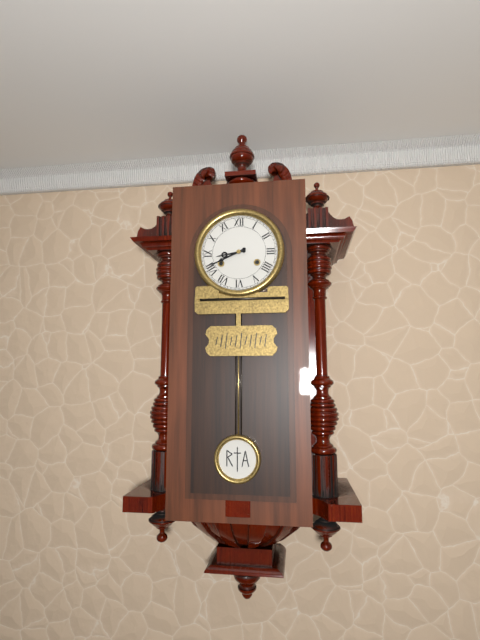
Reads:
h=8 m=41
